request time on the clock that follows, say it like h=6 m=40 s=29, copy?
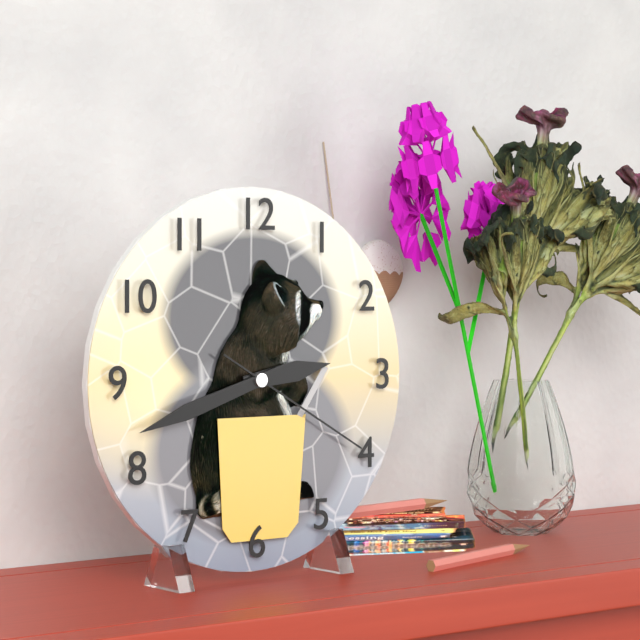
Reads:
h=2 m=42 s=20
